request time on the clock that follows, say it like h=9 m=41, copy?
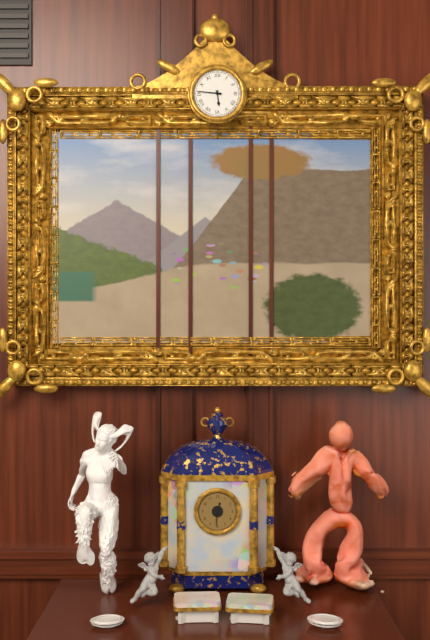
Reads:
h=5 m=46
